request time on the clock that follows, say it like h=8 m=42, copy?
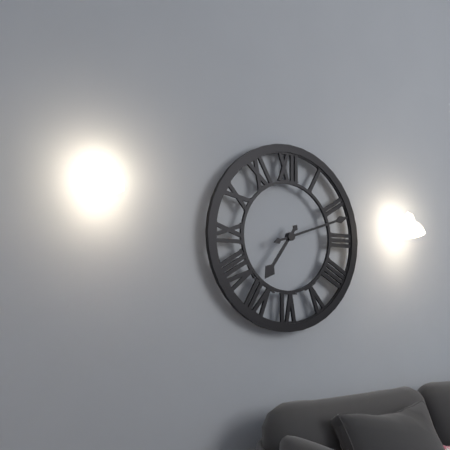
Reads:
h=7 m=12
